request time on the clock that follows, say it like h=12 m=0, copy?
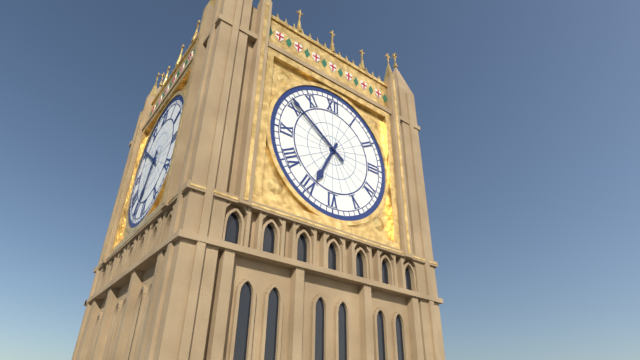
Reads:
h=6 m=51
